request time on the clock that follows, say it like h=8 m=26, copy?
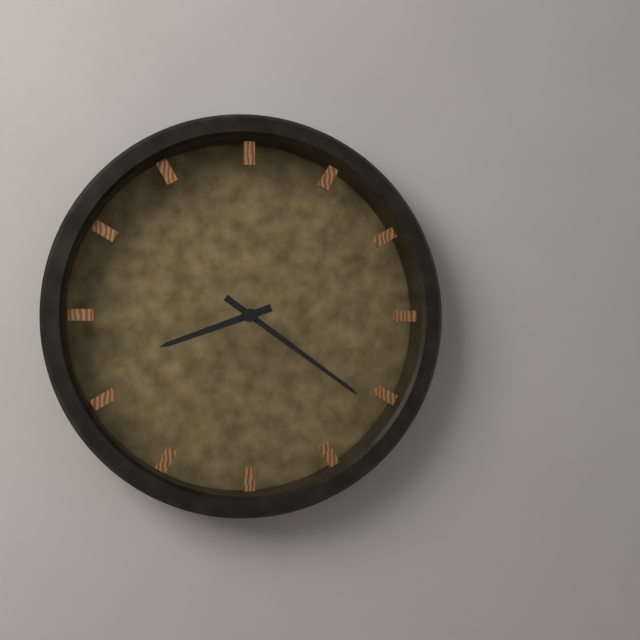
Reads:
h=8 m=21
